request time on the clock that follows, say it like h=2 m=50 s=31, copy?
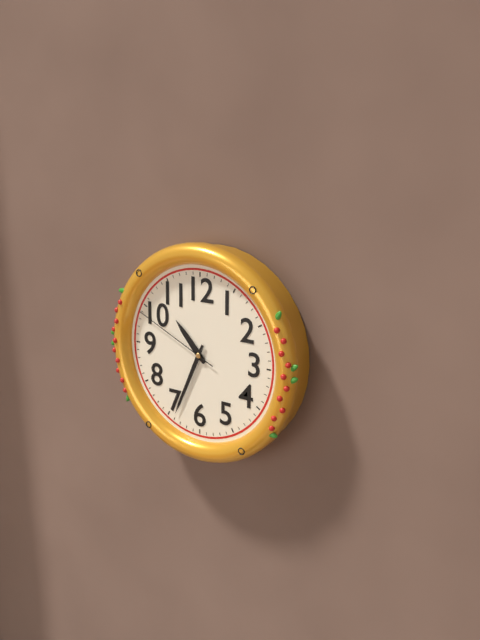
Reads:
h=10 m=34 s=49
